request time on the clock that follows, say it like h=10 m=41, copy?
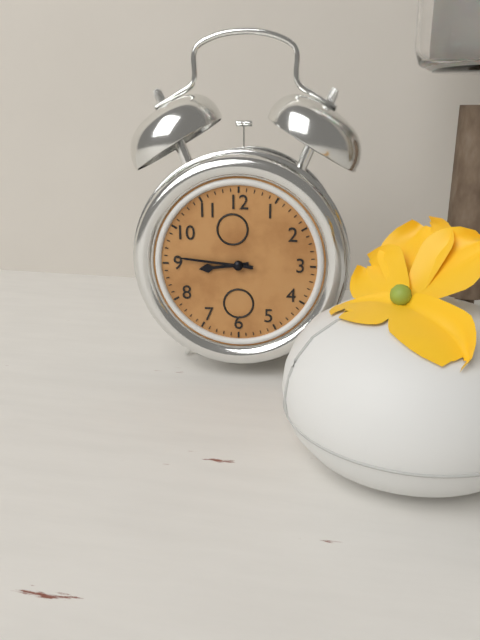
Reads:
h=8 m=46
